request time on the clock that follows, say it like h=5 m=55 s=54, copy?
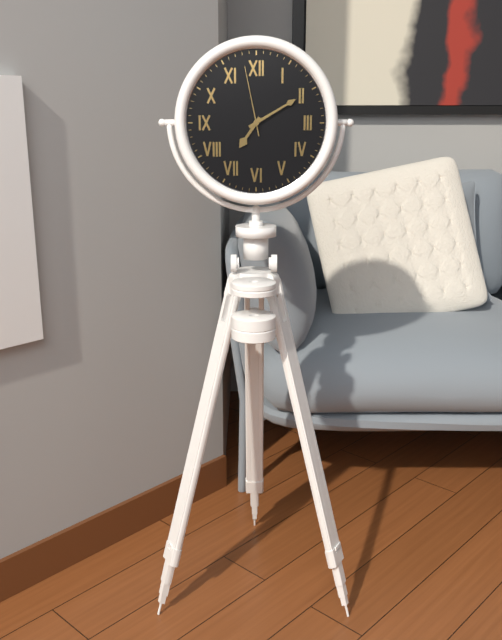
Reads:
h=7 m=10 s=58
